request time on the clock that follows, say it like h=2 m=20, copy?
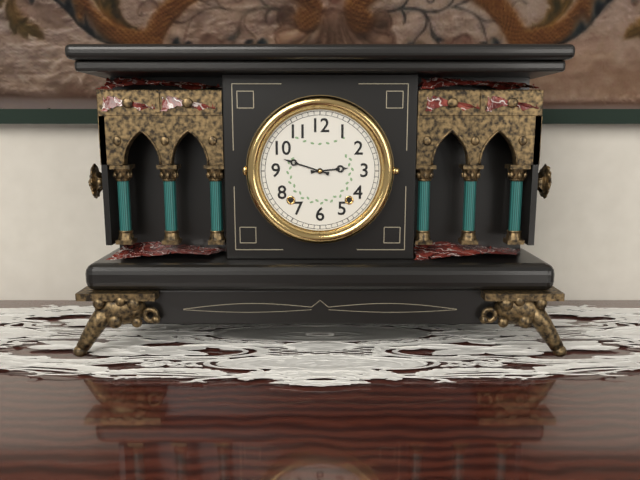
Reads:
h=2 m=48
